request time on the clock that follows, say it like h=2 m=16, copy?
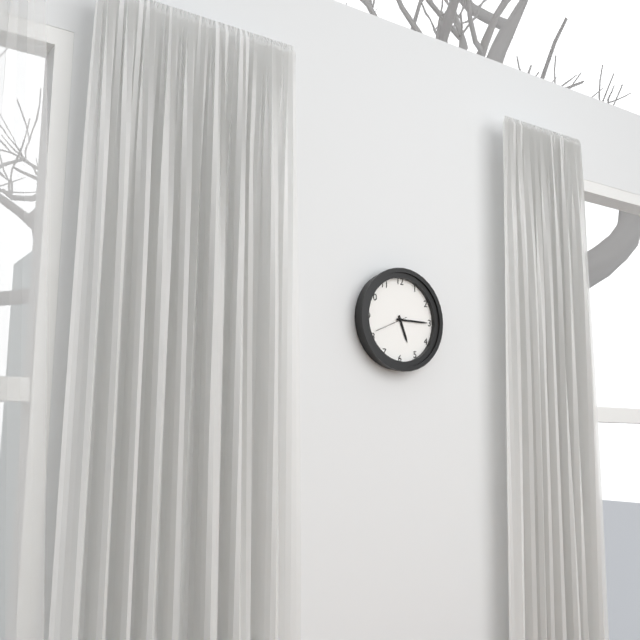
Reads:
h=5 m=15
